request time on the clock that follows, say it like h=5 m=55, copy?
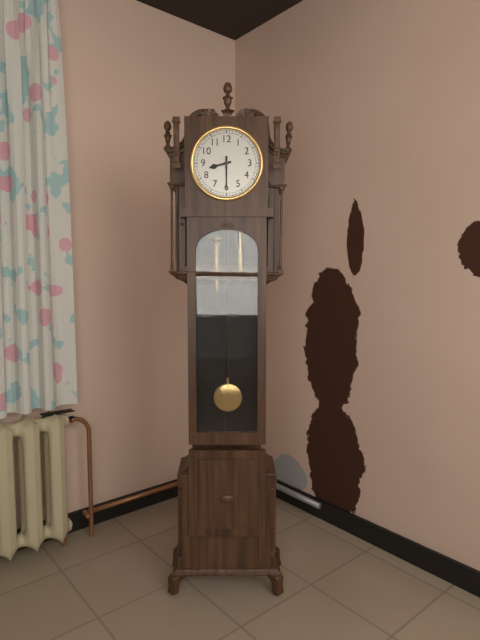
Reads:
h=8 m=30
